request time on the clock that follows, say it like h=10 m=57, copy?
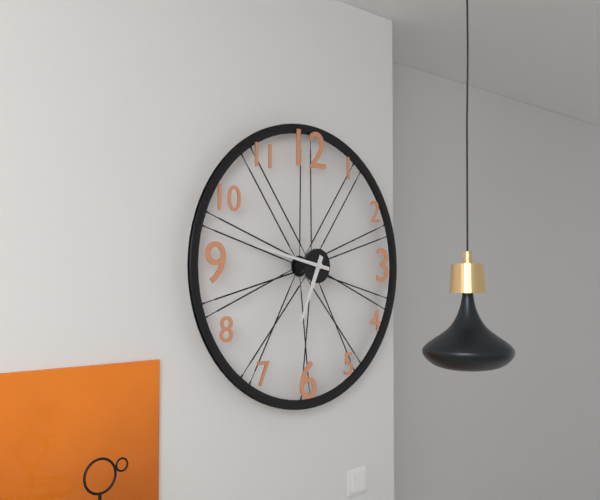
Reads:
h=6 m=47
